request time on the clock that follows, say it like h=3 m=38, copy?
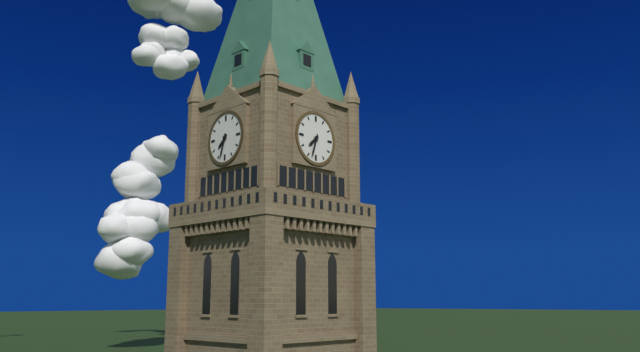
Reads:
h=7 m=33
